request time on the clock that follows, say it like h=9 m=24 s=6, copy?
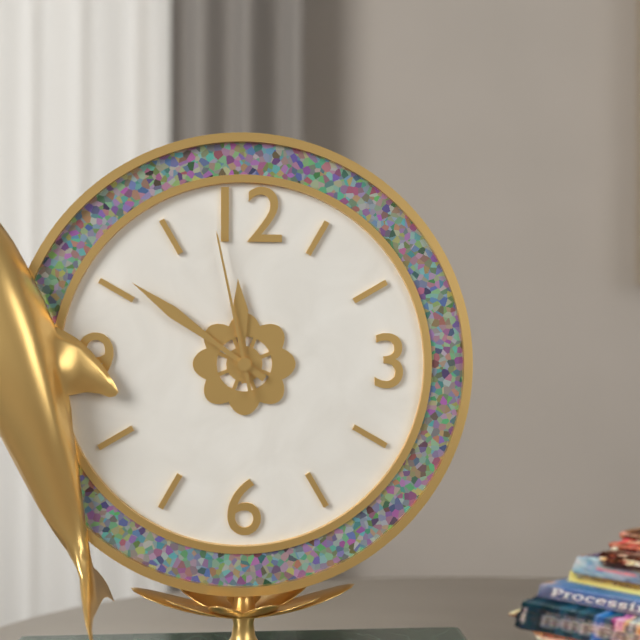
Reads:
h=11 m=51 s=58
